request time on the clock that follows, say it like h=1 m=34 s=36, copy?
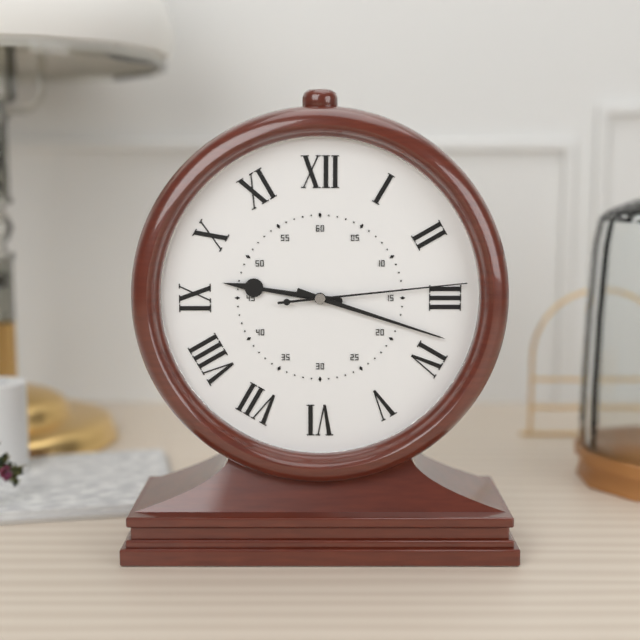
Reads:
h=9 m=18 s=14
